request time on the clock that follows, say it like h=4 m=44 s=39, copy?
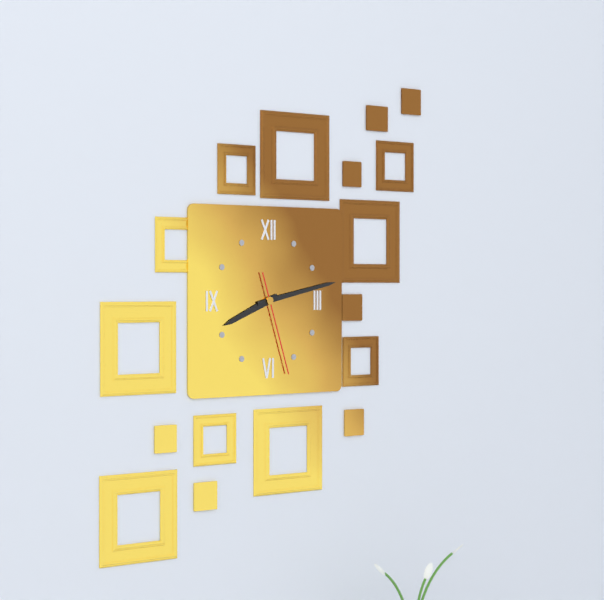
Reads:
h=8 m=13 s=27
